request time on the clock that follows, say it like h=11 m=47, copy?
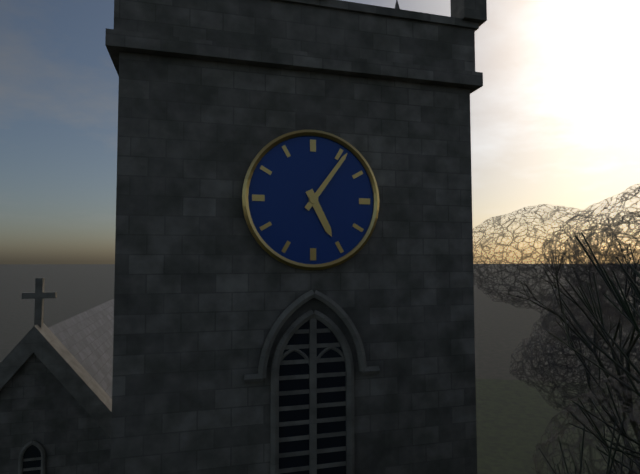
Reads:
h=5 m=6
